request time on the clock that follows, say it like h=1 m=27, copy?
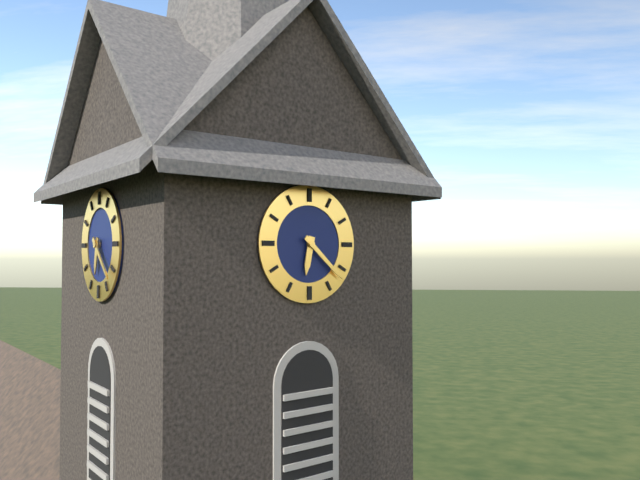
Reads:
h=6 m=22
